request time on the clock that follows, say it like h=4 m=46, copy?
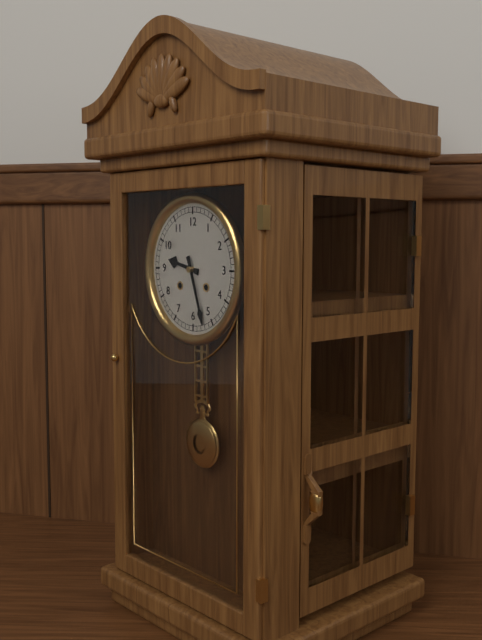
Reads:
h=9 m=27
